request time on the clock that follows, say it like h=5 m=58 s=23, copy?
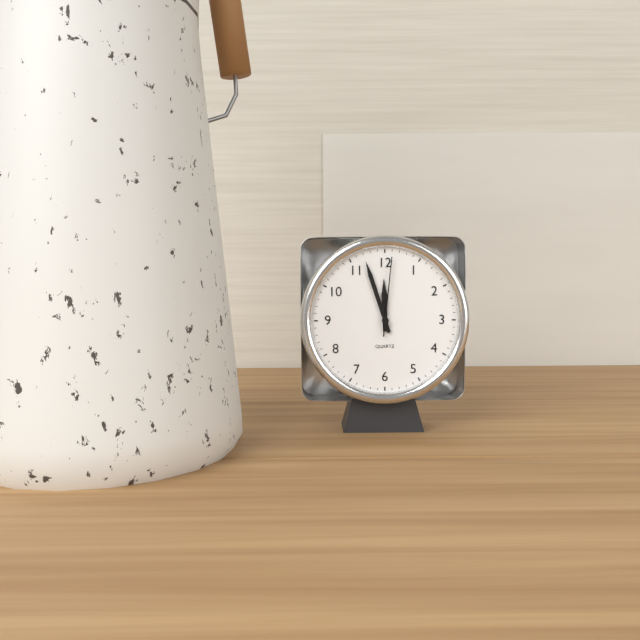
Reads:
h=11 m=57 s=1
